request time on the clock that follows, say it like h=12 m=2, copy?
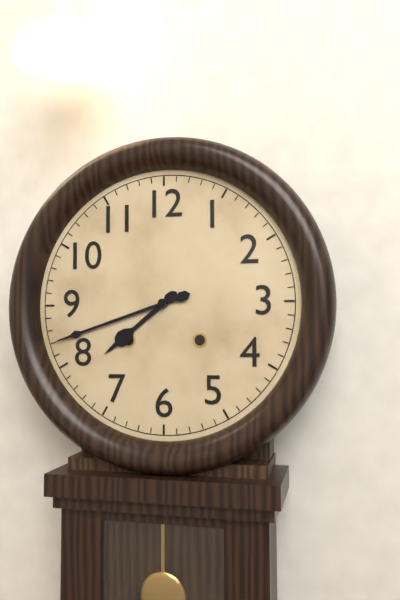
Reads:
h=7 m=42
